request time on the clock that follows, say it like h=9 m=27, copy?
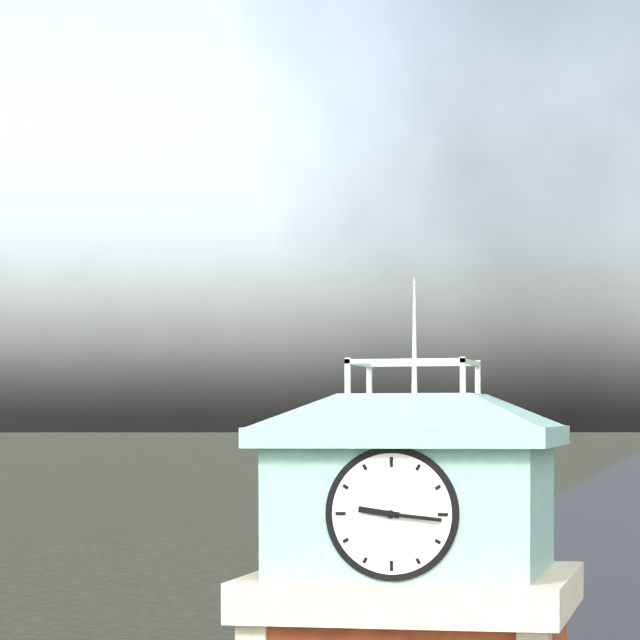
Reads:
h=9 m=16
